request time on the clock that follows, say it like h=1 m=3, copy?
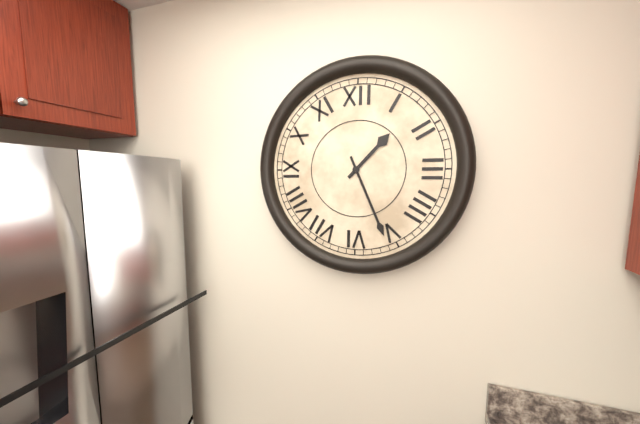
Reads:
h=1 m=26
